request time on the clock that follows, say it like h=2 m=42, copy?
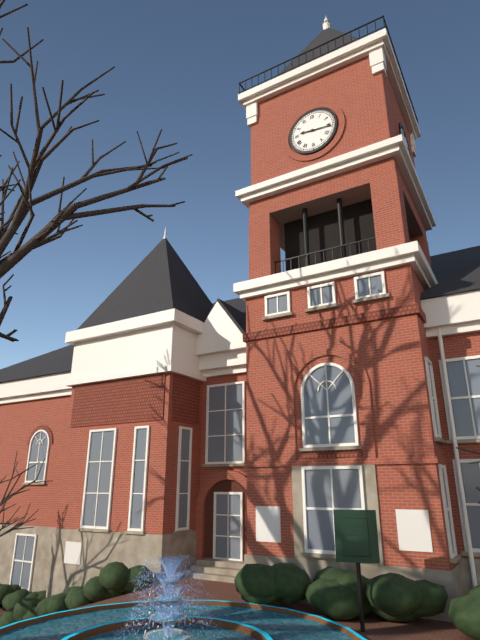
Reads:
h=9 m=16
